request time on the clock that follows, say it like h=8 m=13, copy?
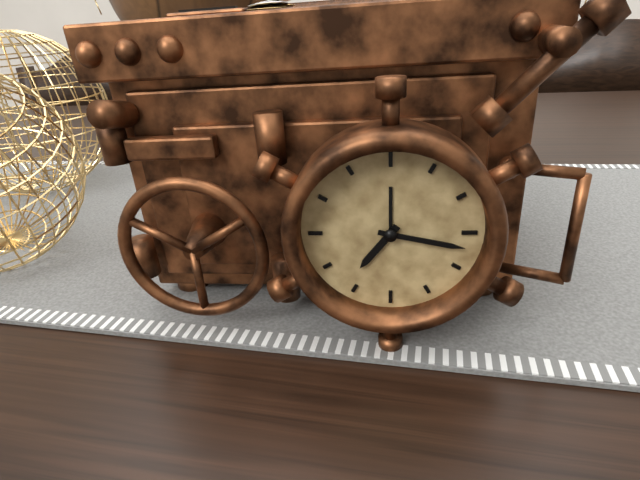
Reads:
h=7 m=17
